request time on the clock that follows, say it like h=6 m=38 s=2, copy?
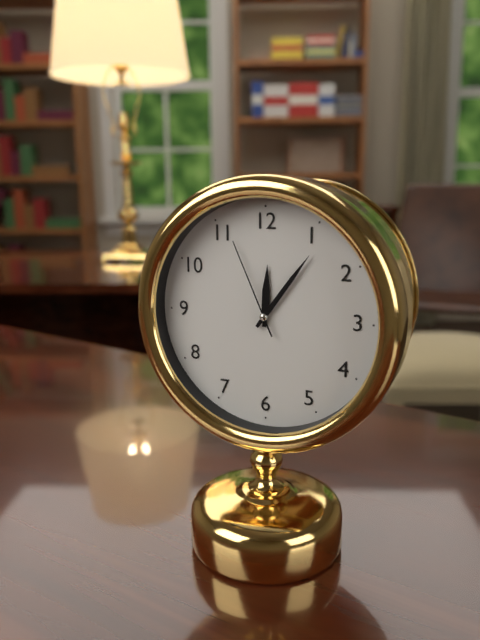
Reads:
h=12 m=6 s=56
